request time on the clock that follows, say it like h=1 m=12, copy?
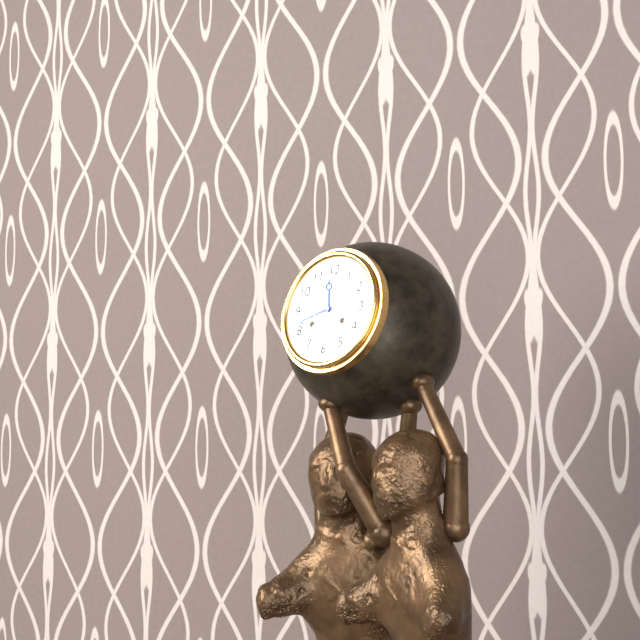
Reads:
h=11 m=42
